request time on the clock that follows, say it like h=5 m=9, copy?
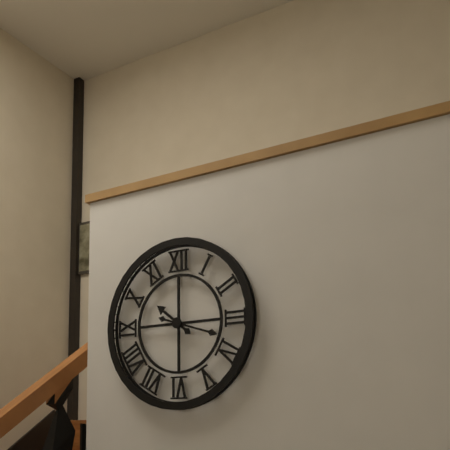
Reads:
h=10 m=18
